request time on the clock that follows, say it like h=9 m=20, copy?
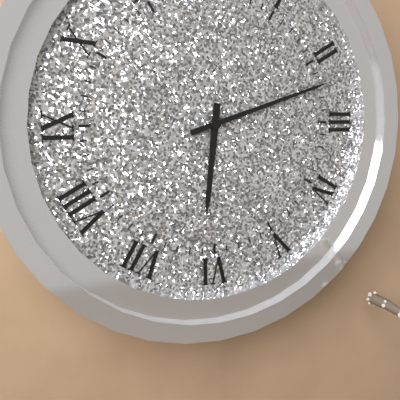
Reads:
h=6 m=12
